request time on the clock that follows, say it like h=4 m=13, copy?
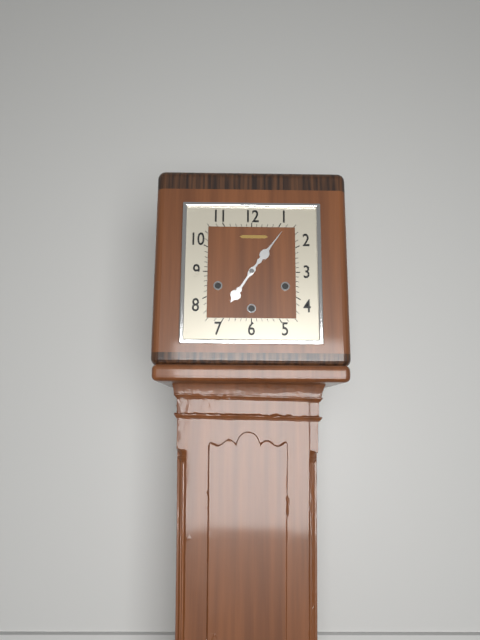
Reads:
h=7 m=6
